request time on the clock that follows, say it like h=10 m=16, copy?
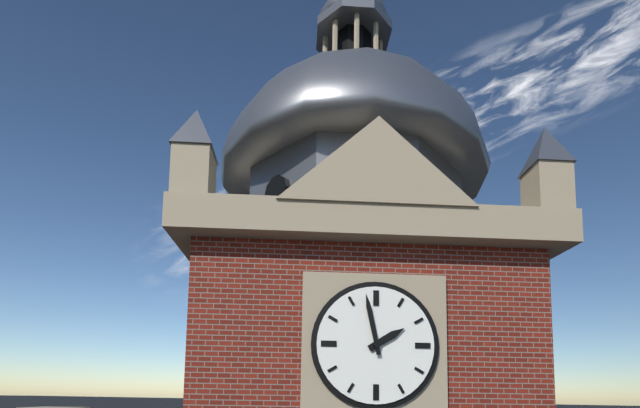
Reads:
h=1 m=58
